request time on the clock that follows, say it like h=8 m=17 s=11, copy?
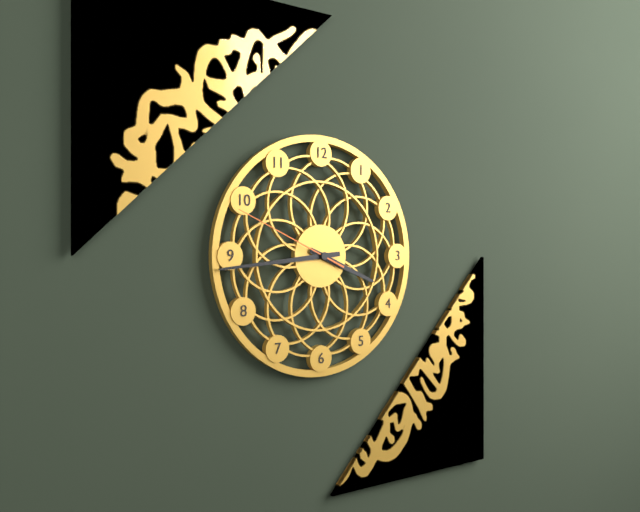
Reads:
h=3 m=44 s=49
